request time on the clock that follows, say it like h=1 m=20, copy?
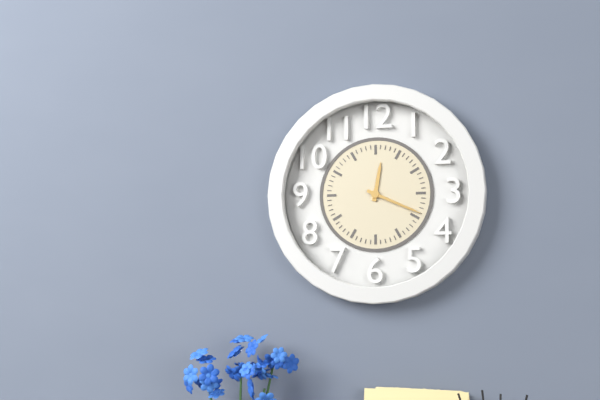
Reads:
h=12 m=19
